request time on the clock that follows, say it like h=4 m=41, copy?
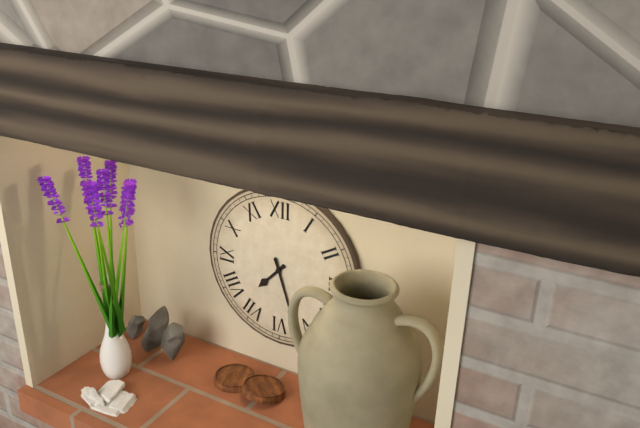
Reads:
h=7 m=27
